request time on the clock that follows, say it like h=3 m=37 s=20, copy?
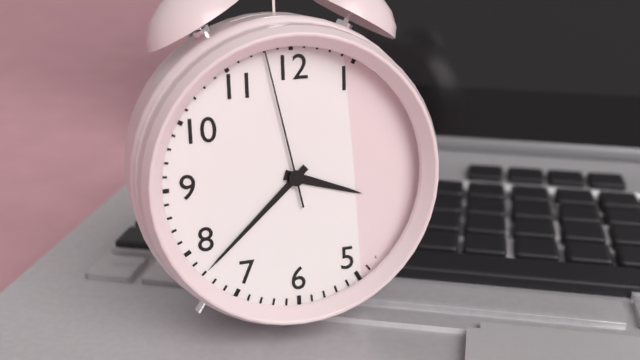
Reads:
h=3 m=38 s=58
